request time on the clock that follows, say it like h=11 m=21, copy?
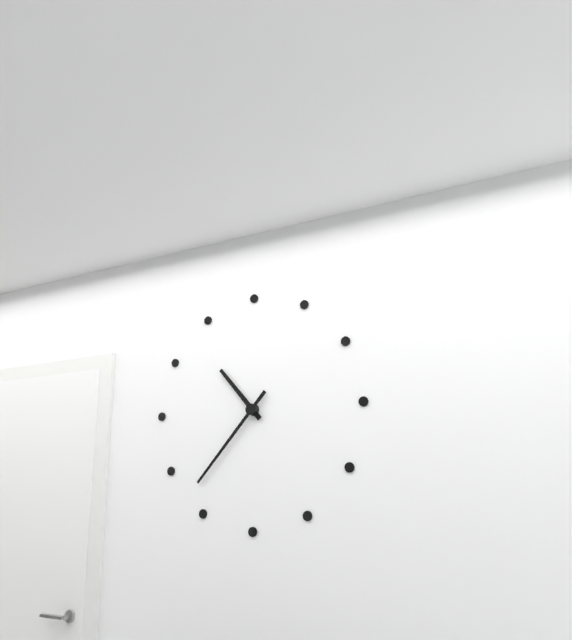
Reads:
h=10 m=37
